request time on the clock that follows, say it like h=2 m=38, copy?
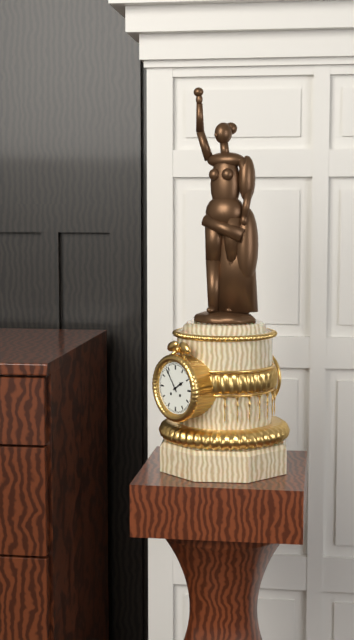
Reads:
h=1 m=54
